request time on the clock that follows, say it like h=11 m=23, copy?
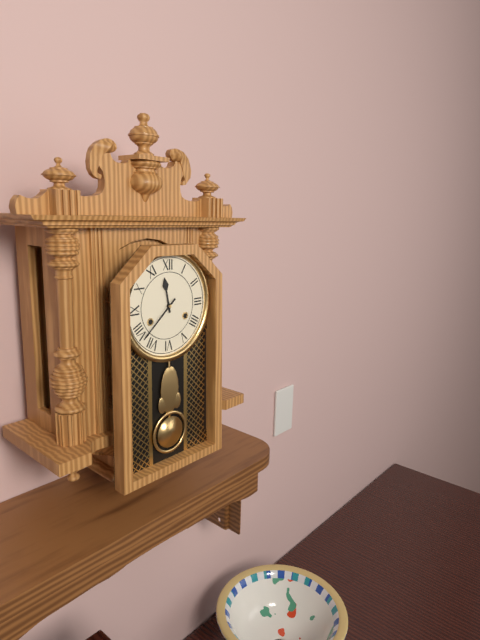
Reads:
h=11 m=38
